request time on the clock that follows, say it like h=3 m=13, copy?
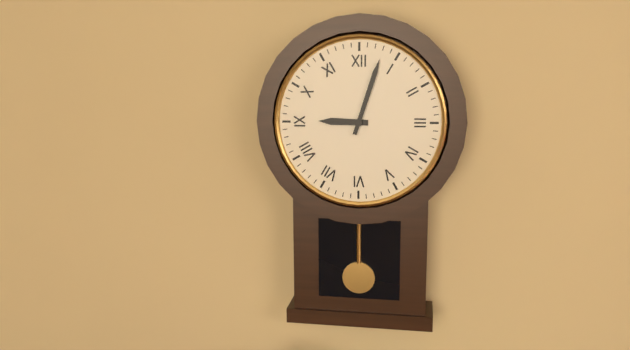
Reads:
h=9 m=3
